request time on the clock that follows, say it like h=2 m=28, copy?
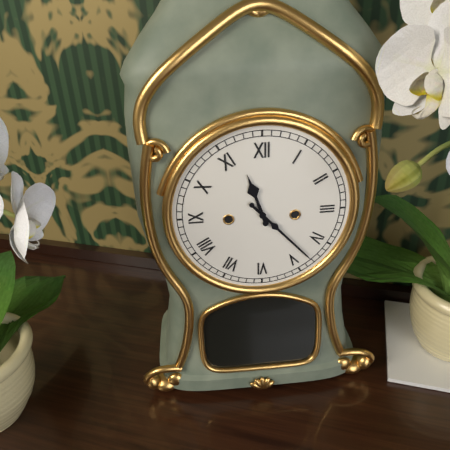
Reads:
h=11 m=23
